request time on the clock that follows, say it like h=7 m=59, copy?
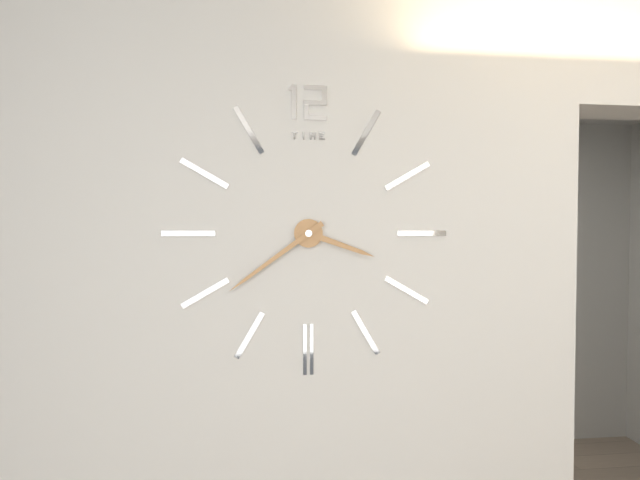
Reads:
h=3 m=39
